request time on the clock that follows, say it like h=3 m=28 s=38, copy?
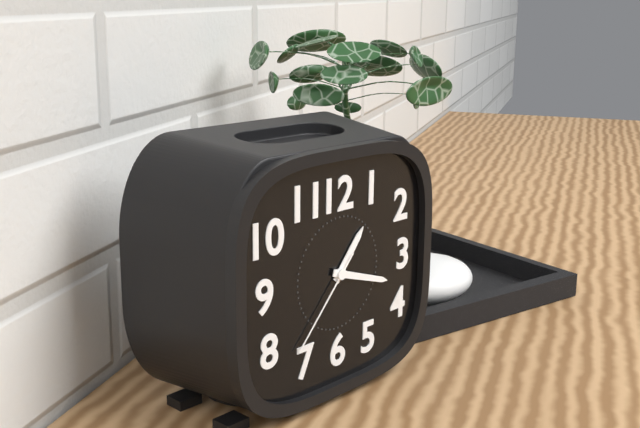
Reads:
h=1 m=18 s=37
